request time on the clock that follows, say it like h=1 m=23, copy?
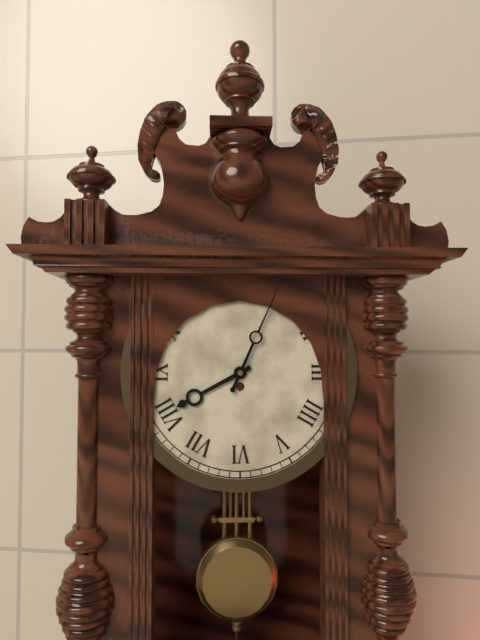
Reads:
h=8 m=4
